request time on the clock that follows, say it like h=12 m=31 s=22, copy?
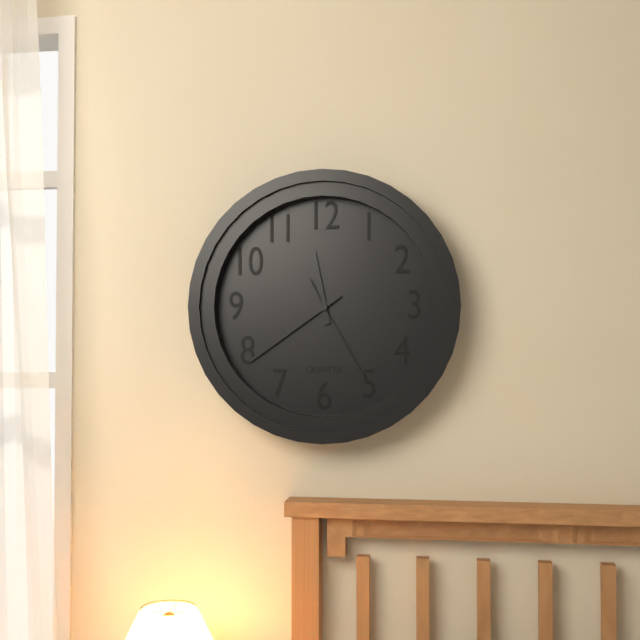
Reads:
h=11 m=39 s=25
